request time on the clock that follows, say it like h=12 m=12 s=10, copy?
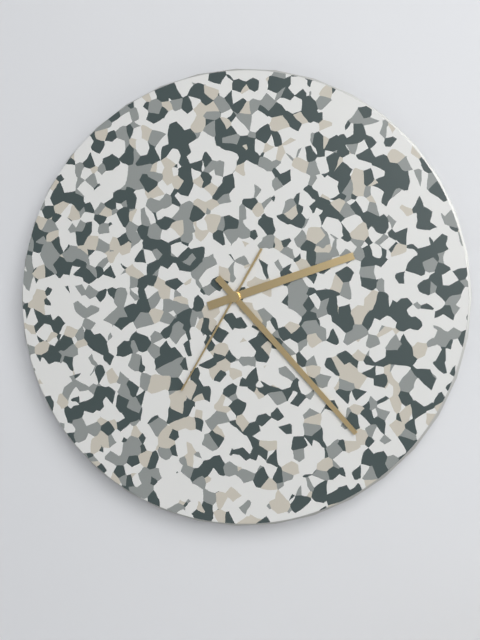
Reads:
h=2 m=23 s=35
